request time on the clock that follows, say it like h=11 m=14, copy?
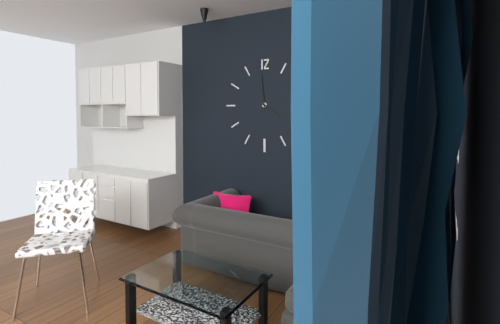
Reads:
h=3 m=59
